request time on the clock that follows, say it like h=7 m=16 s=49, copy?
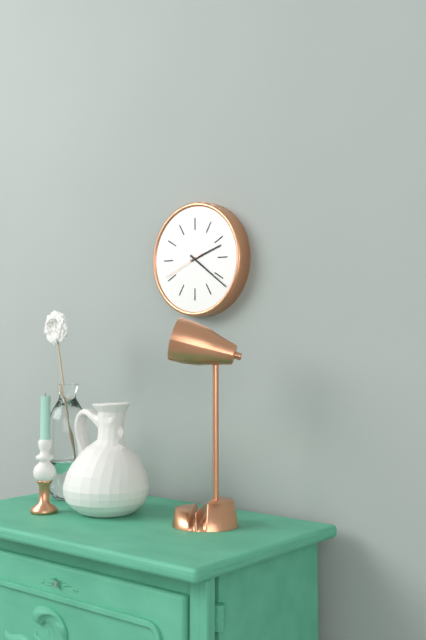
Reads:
h=2 m=21 s=41
